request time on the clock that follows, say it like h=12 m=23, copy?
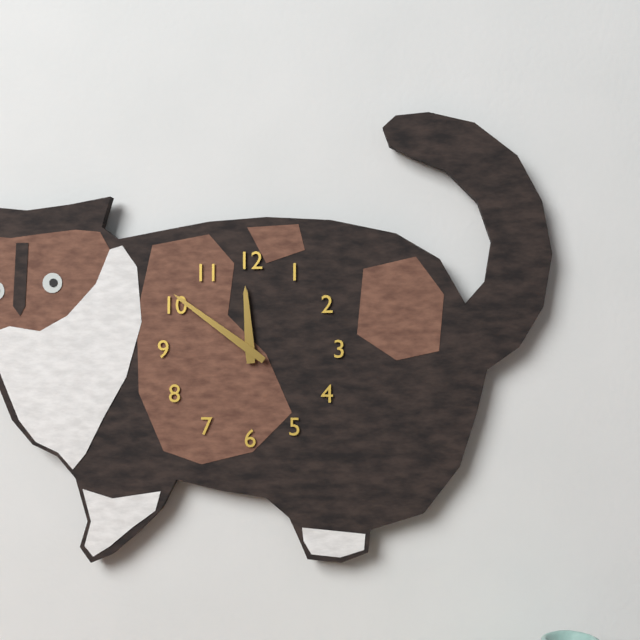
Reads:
h=11 m=51
